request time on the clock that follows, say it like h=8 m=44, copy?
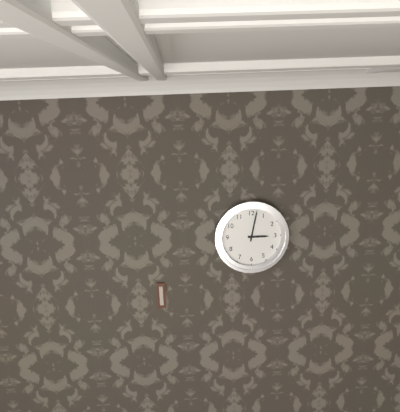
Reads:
h=3 m=2
